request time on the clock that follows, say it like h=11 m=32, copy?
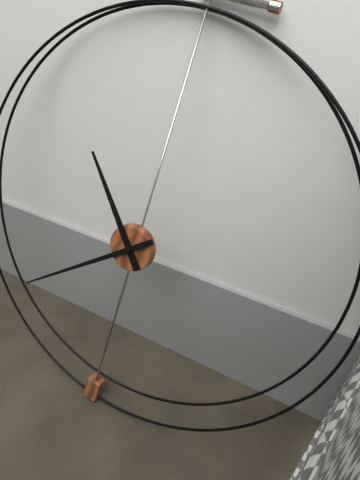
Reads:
h=10 m=38
